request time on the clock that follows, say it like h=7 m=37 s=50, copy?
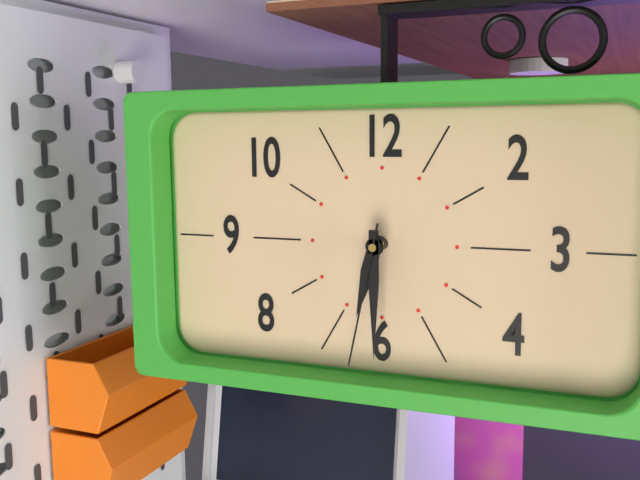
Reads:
h=6 m=30 s=32
